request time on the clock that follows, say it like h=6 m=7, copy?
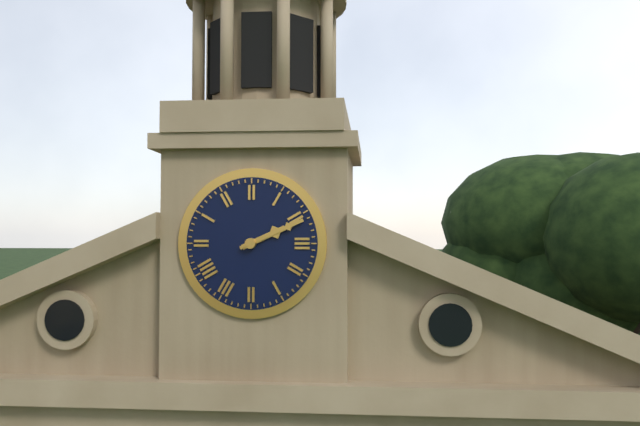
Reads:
h=2 m=11
